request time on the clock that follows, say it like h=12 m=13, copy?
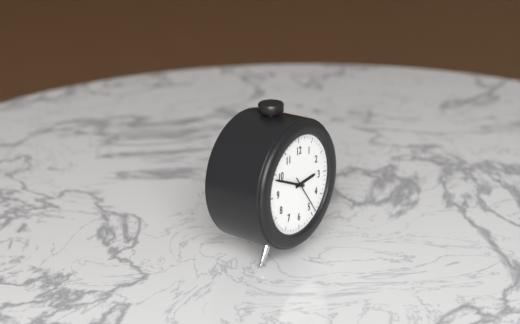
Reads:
h=2 m=49
